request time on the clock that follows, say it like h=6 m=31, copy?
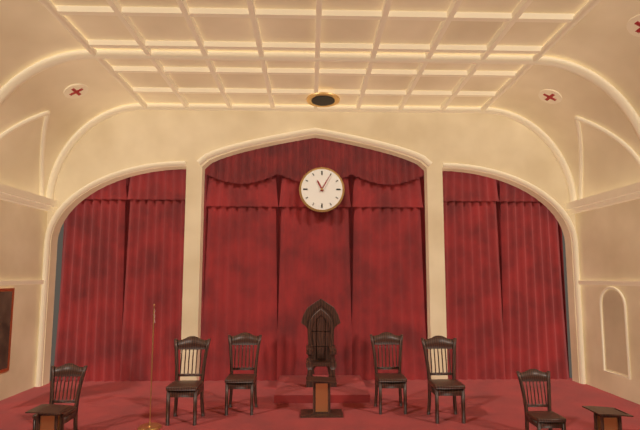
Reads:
h=11 m=5
